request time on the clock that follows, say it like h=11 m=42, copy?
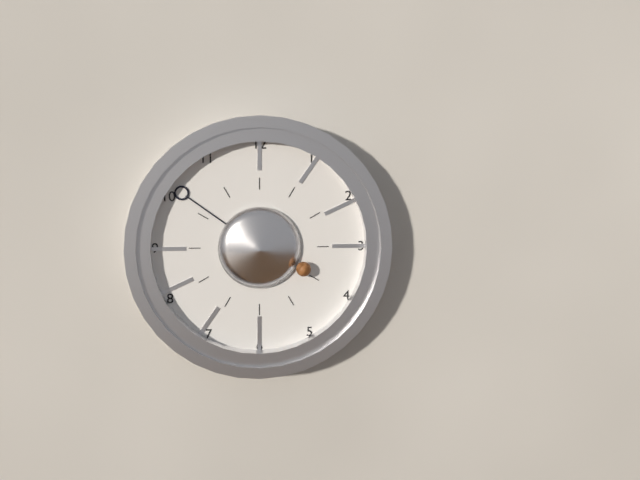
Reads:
h=3 m=51
